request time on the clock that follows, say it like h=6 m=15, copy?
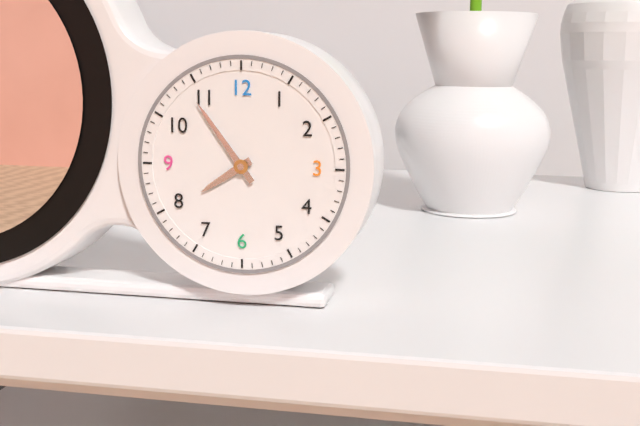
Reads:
h=7 m=54
